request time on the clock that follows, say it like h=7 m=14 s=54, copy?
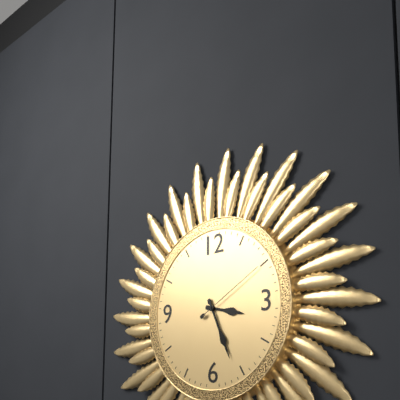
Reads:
h=3 m=26 s=10
